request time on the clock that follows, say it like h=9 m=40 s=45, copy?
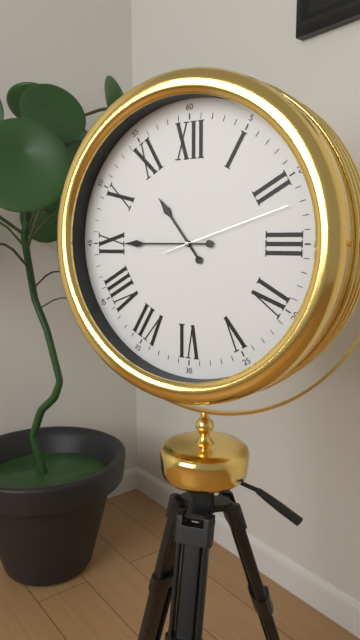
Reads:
h=10 m=45 s=12
